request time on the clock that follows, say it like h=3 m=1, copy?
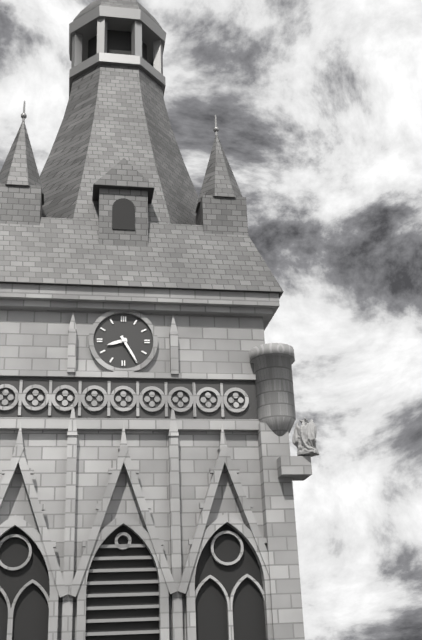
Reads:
h=8 m=25
